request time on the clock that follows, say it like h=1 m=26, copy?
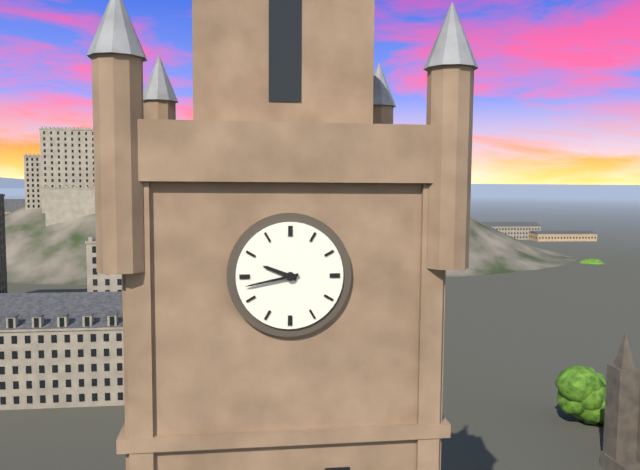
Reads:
h=9 m=43
